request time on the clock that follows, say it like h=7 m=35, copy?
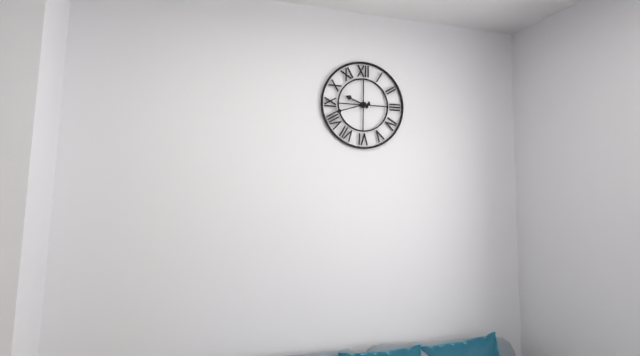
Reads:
h=9 m=42
